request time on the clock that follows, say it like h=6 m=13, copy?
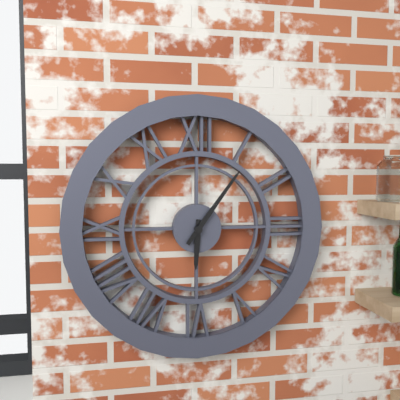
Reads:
h=6 m=6
